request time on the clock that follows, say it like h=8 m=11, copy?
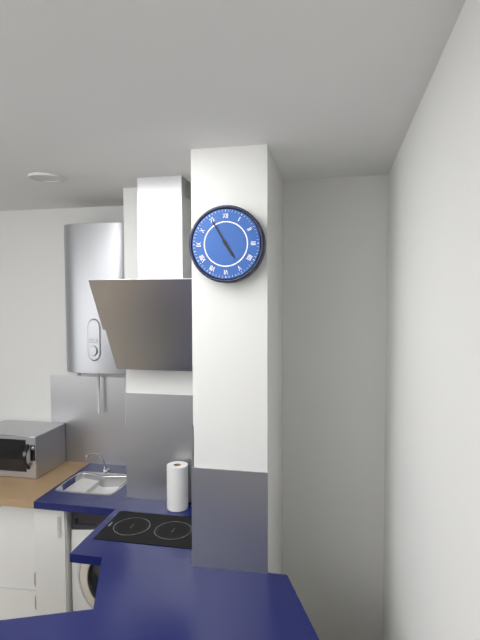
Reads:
h=4 m=55
